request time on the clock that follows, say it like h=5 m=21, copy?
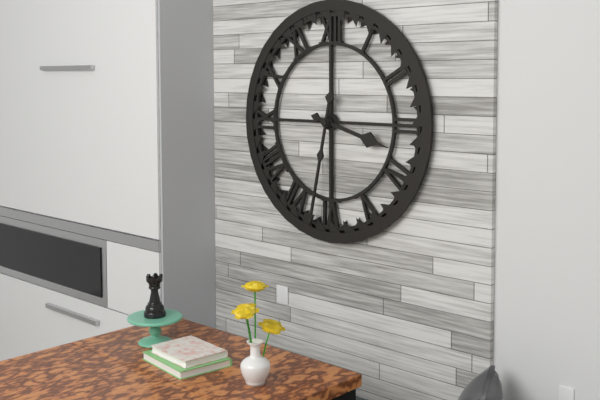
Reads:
h=3 m=32
